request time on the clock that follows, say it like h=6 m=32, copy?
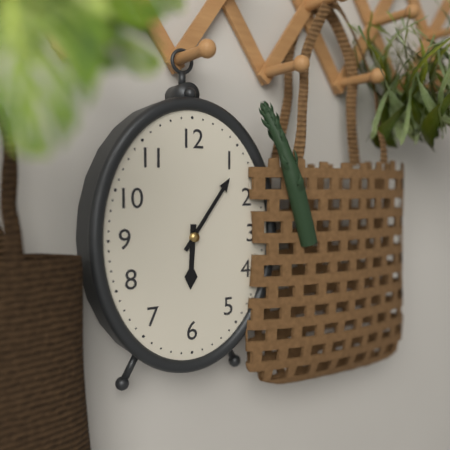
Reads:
h=6 m=6
